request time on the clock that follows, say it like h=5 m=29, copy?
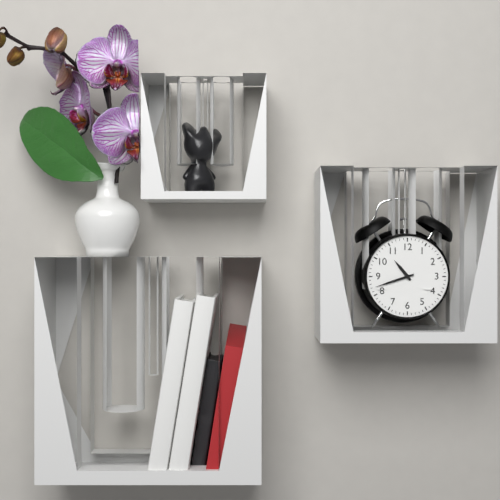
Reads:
h=10 m=42
